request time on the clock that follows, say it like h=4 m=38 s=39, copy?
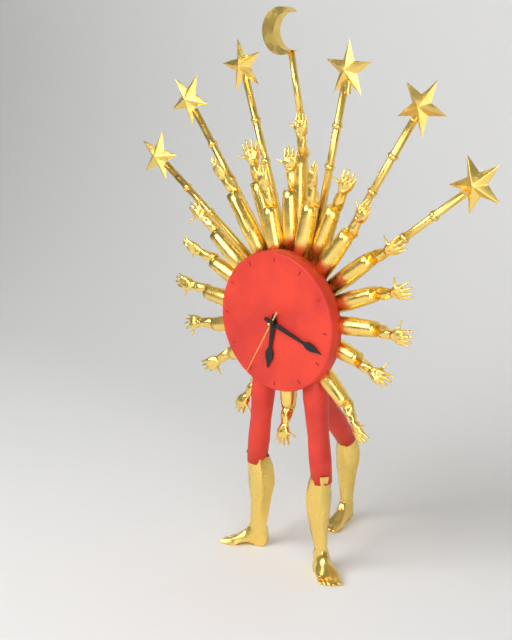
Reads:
h=6 m=18 s=35
